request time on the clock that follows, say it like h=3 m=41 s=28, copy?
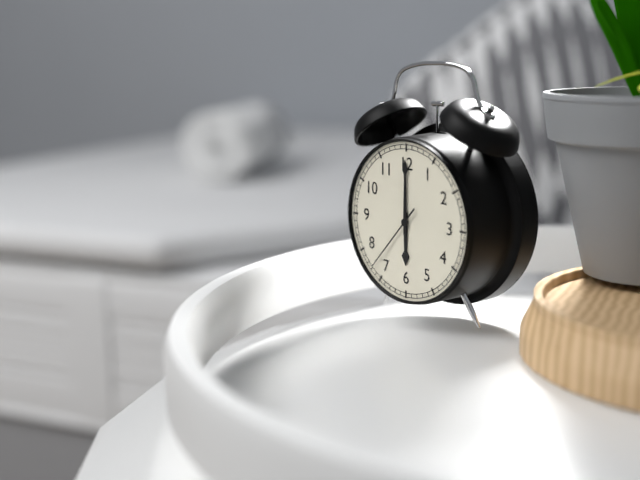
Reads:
h=6 m=0 s=37
